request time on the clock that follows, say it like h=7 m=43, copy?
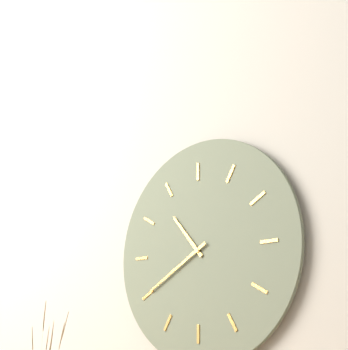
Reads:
h=10 m=40
